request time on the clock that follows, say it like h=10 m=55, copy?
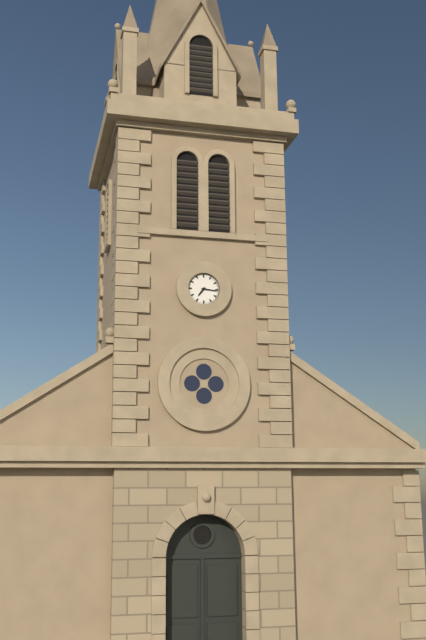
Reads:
h=7 m=16
